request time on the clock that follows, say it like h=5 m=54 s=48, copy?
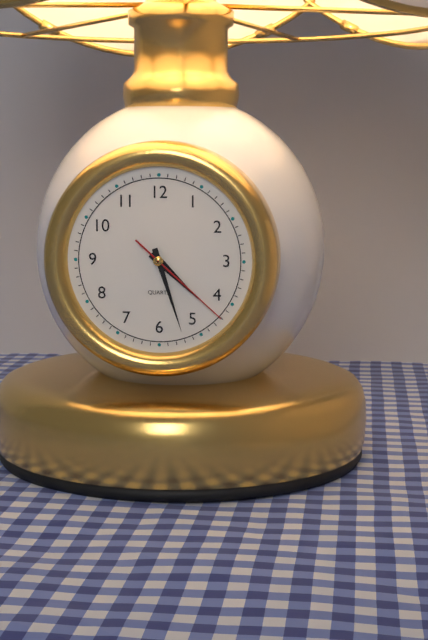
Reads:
h=4 m=27 s=22
